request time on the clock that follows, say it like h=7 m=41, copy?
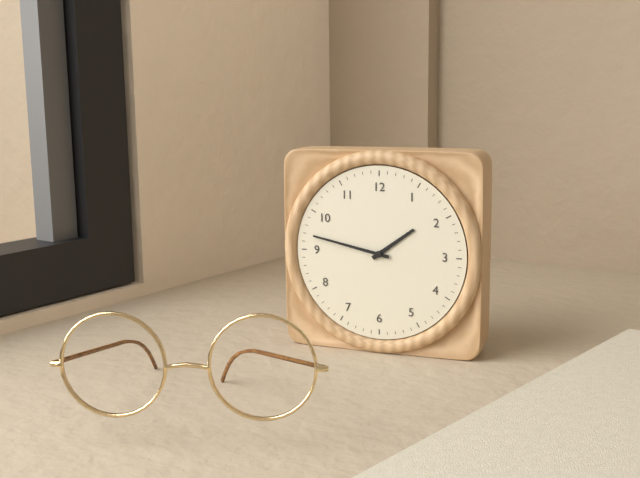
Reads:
h=1 m=47
